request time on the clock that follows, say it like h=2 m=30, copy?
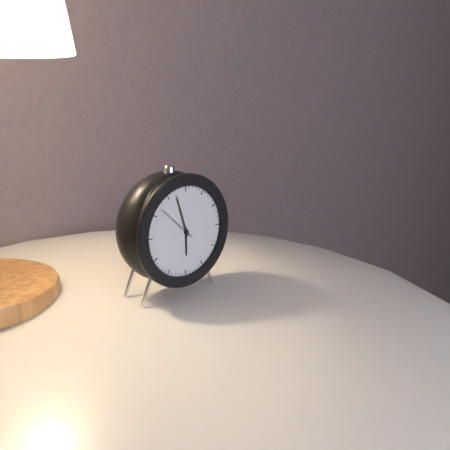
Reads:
h=5 m=57
